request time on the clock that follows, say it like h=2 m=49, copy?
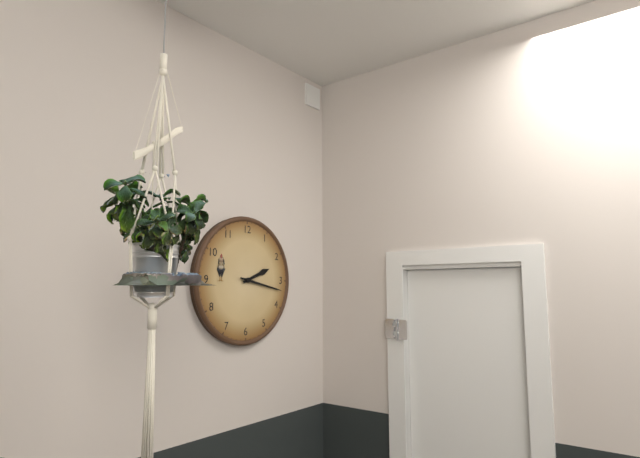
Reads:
h=2 m=17
